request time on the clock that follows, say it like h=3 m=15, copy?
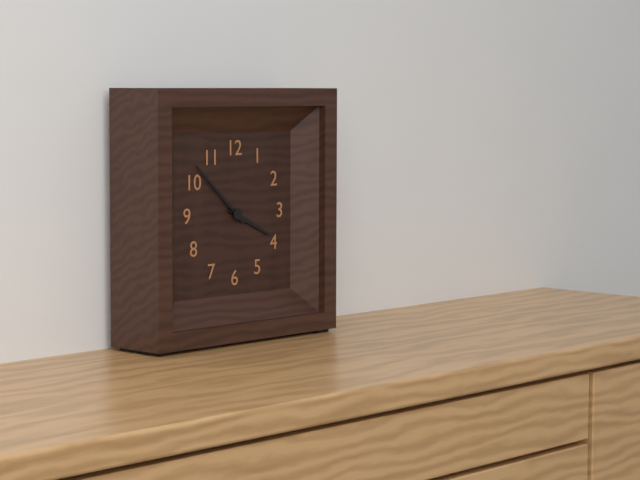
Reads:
h=3 m=52
